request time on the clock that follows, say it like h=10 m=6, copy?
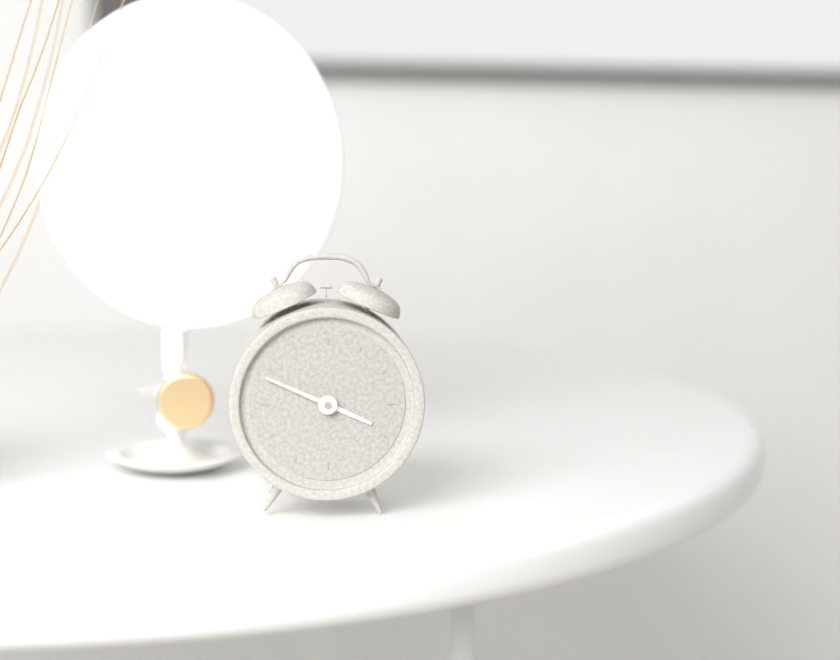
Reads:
h=3 m=49
